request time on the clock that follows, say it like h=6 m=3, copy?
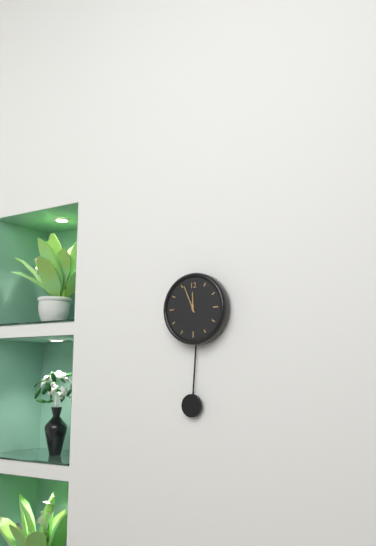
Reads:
h=11 m=56
